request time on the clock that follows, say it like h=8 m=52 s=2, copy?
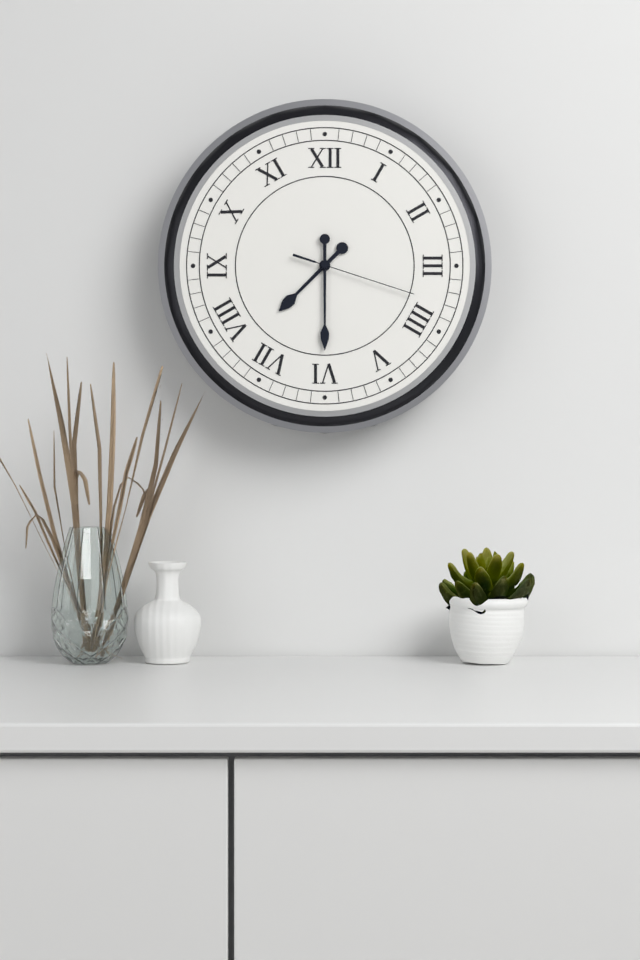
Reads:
h=7 m=30 s=18
